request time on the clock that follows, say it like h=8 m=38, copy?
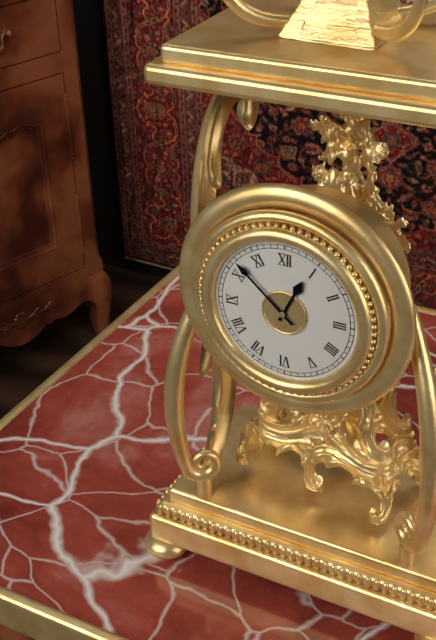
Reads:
h=12 m=52
